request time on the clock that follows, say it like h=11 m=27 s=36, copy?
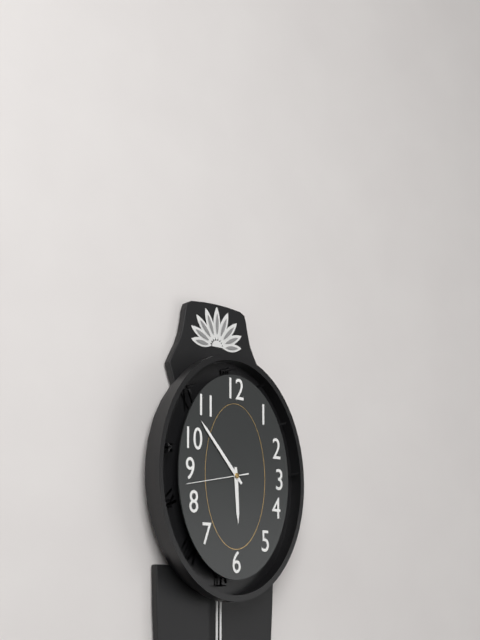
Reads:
h=5 m=53 s=43
